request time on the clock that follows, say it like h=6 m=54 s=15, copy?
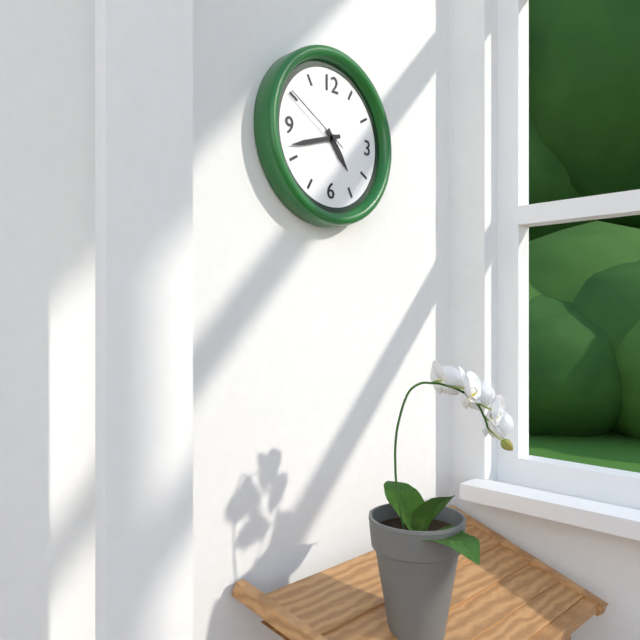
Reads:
h=4 m=42 s=50
